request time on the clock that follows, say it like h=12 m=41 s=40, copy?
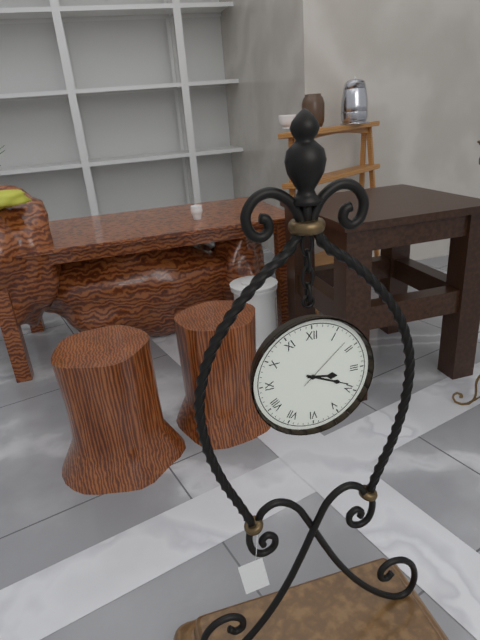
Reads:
h=3 m=19 s=8
